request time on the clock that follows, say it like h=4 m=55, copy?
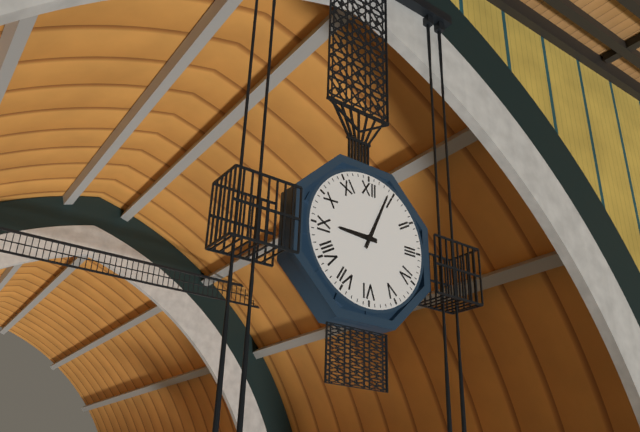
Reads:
h=9 m=4
